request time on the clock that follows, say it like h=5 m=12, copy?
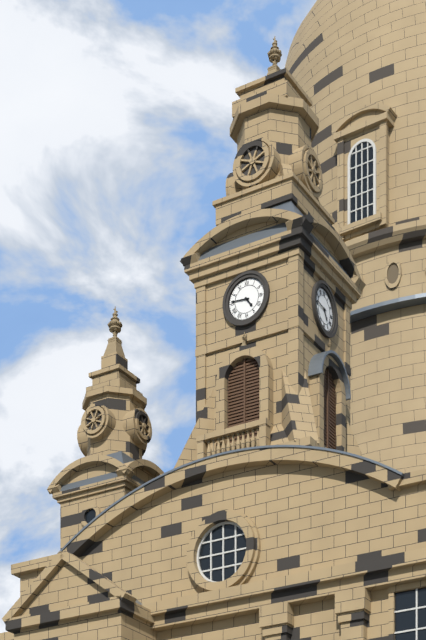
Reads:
h=4 m=46
